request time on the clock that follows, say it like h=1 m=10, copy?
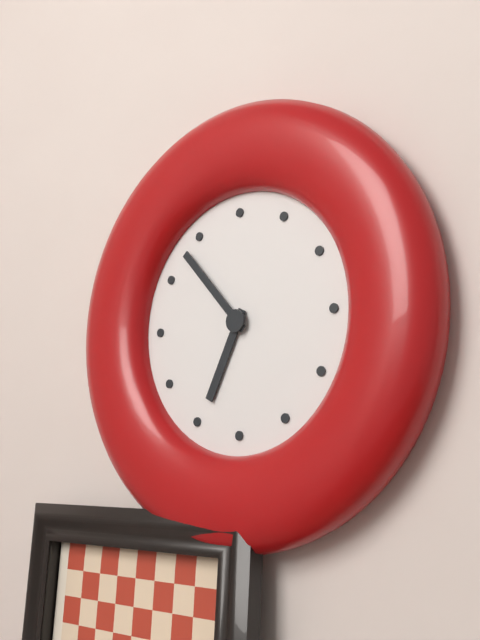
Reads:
h=6 m=53
